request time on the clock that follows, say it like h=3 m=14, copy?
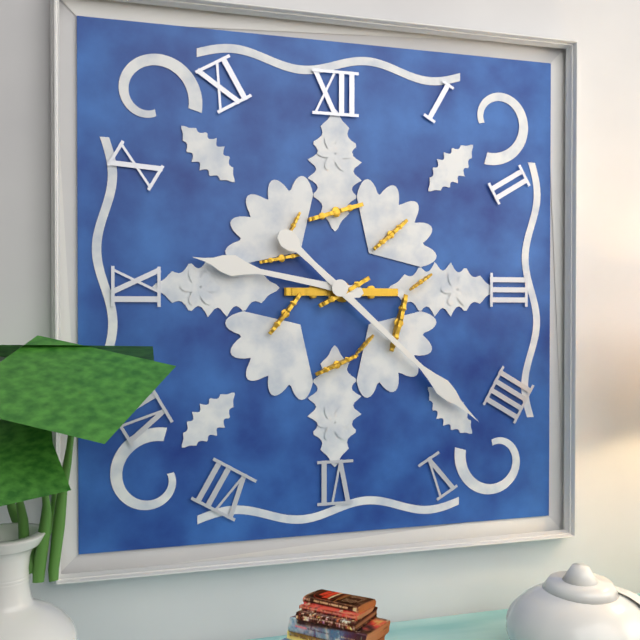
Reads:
h=9 m=22
